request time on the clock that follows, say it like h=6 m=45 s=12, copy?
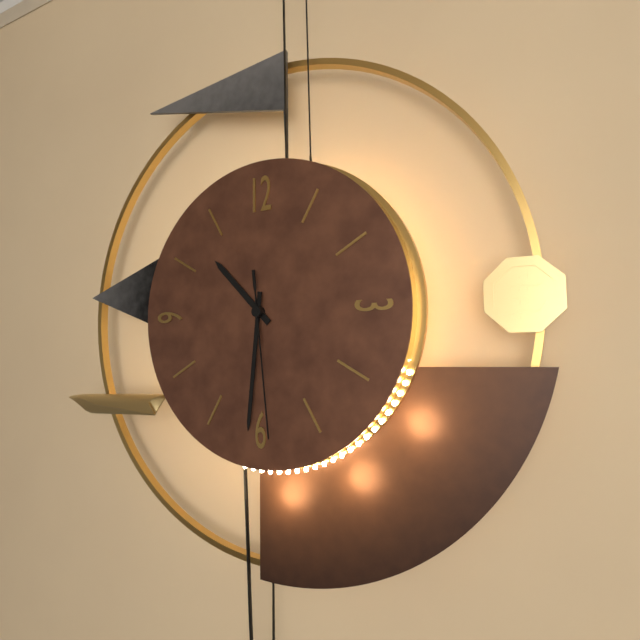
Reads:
h=10 m=31 s=29
